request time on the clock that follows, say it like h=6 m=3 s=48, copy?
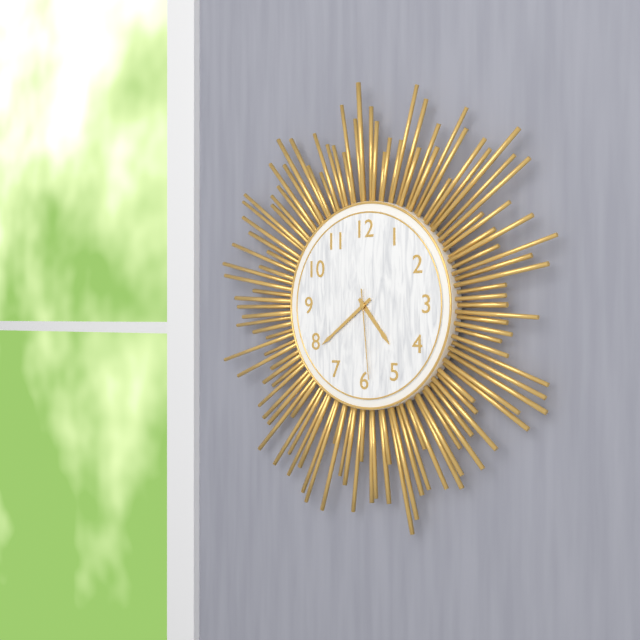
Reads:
h=4 m=39 s=29
